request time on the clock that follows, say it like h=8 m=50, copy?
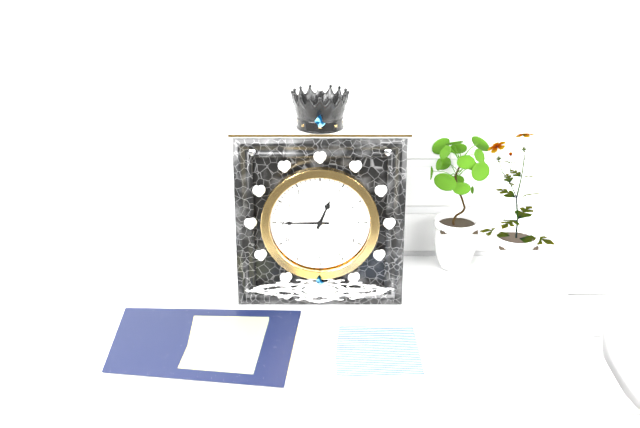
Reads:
h=12 m=45
